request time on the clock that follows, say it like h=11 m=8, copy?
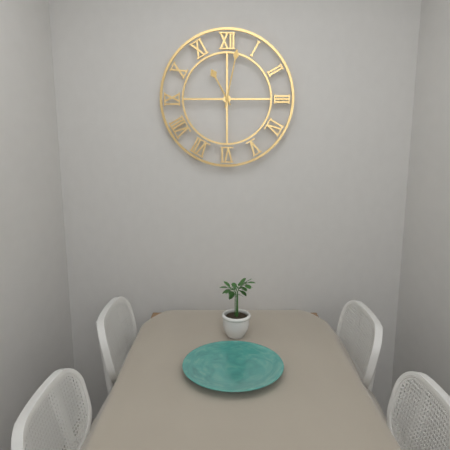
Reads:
h=11 m=2
